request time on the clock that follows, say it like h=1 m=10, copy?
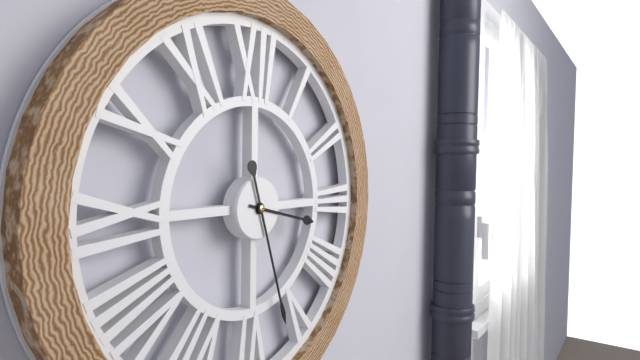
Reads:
h=3 m=27
